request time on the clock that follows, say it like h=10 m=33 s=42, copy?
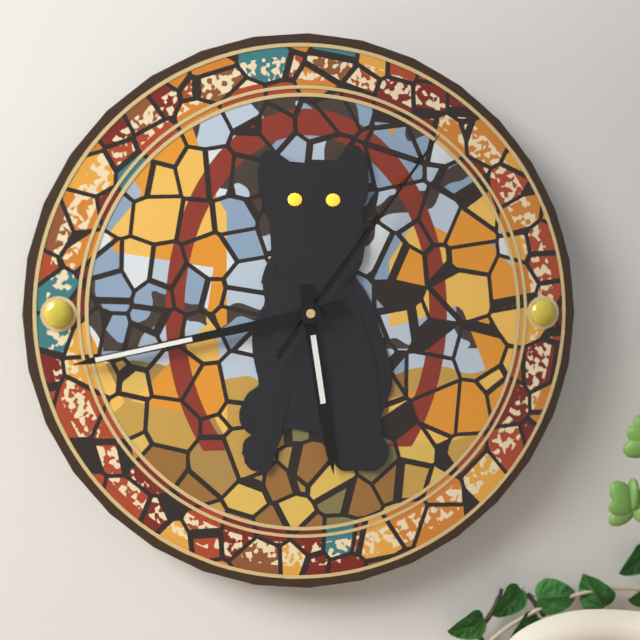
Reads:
h=5 m=43 s=6
